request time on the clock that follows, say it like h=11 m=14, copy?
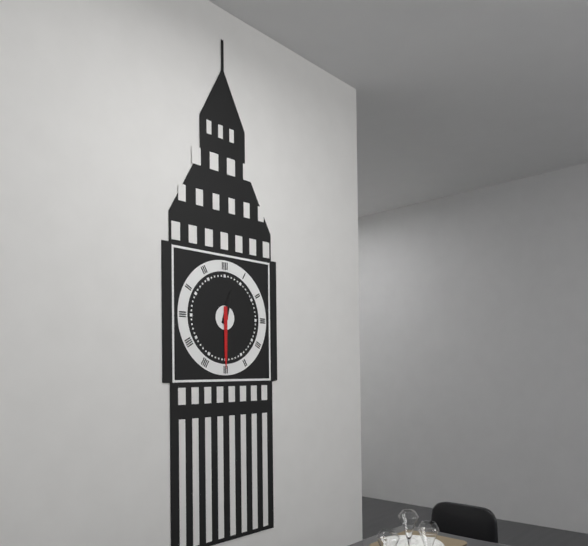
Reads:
h=12 m=30
